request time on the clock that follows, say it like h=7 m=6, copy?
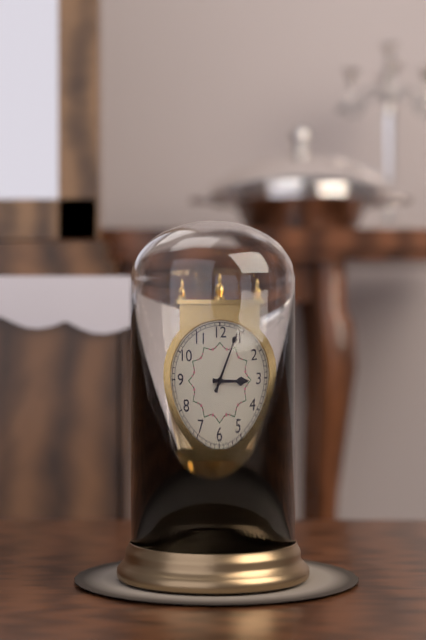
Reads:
h=3 m=4
